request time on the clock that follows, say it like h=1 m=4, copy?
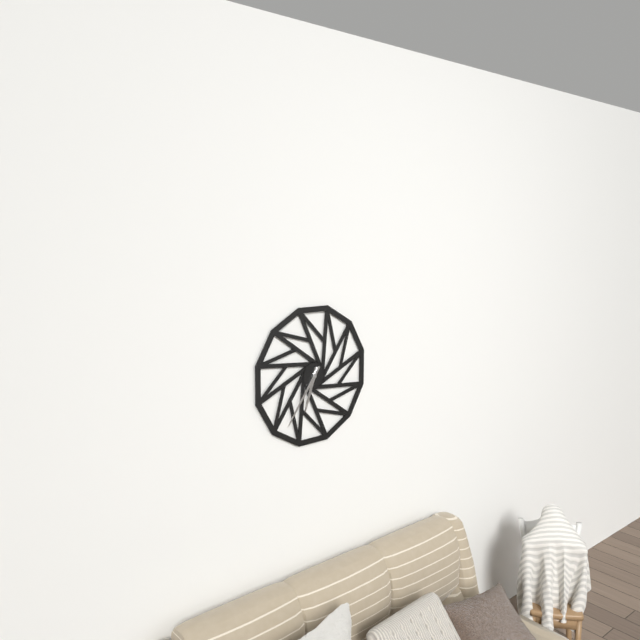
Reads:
h=6 m=36
